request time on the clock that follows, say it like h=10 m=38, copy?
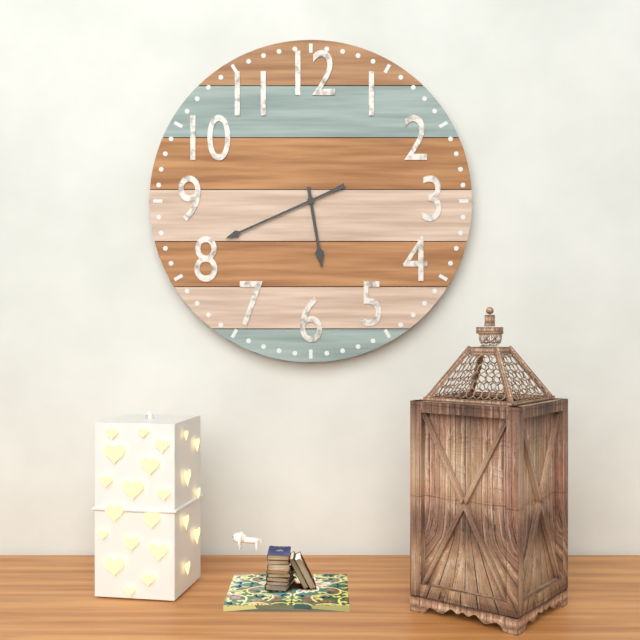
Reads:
h=5 m=41
